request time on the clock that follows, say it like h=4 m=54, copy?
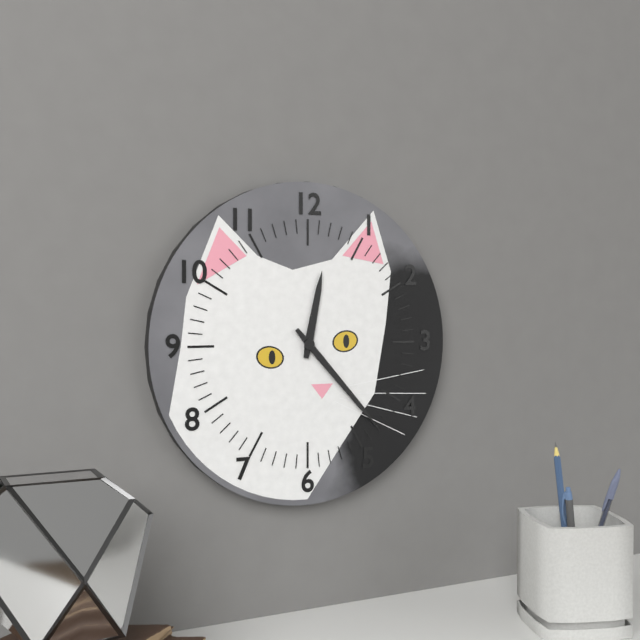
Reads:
h=12 m=23
